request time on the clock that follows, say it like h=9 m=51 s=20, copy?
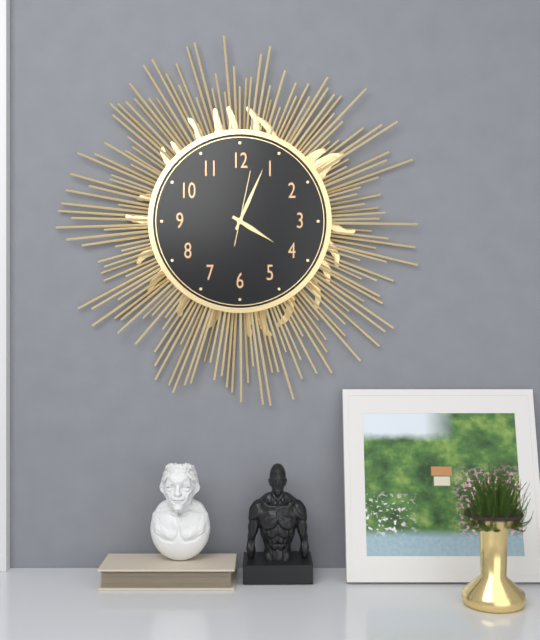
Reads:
h=4 m=4 s=2
